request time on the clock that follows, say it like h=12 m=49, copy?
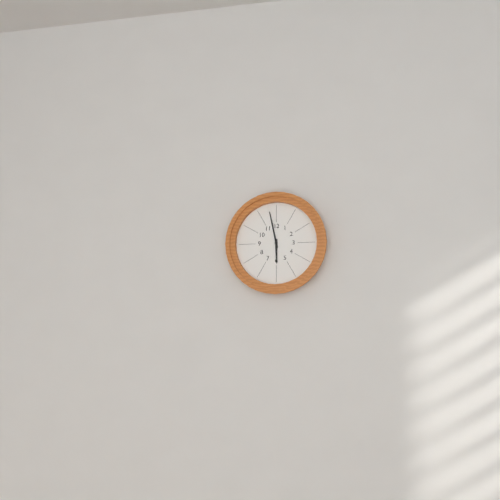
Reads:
h=5 m=58
